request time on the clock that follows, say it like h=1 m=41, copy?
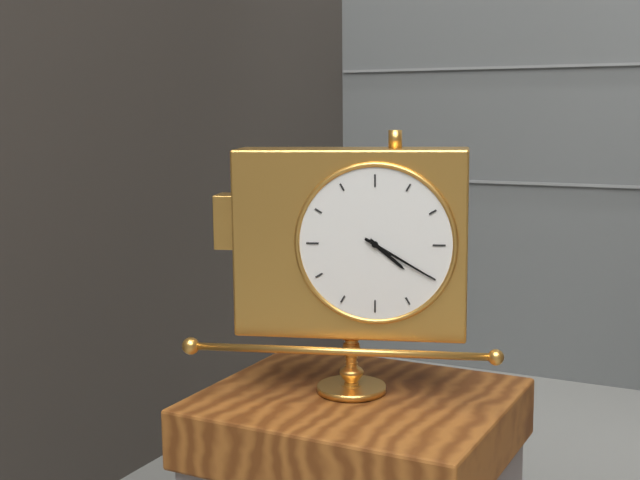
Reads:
h=4 m=20
